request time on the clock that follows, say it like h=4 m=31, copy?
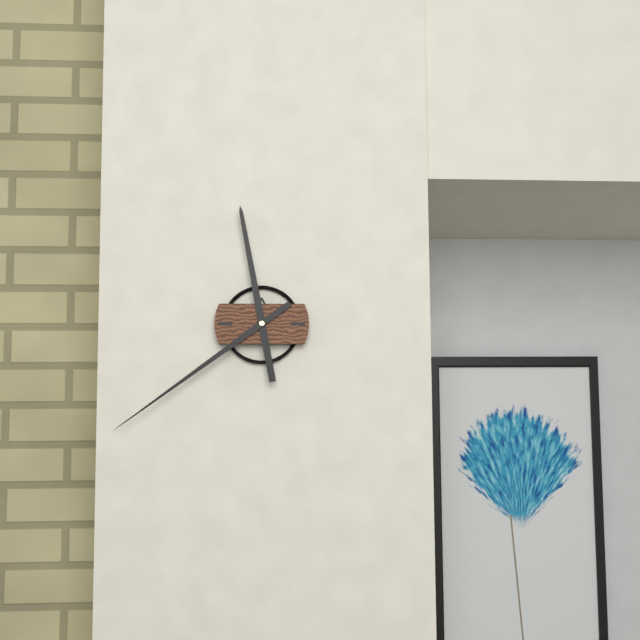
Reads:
h=11 m=39
